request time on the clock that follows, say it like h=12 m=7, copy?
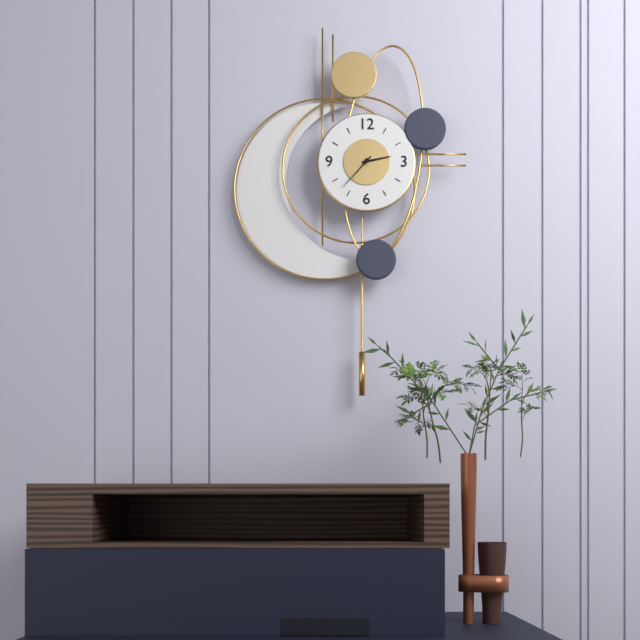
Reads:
h=2 m=37
